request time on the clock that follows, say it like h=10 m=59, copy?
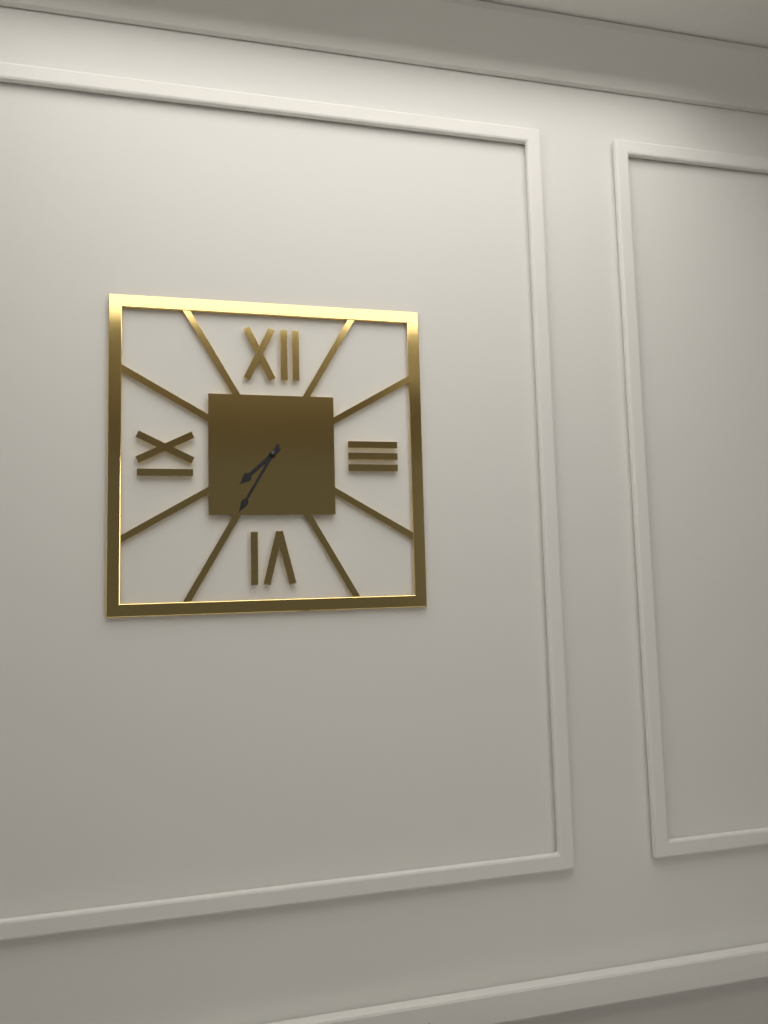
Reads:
h=7 m=35
